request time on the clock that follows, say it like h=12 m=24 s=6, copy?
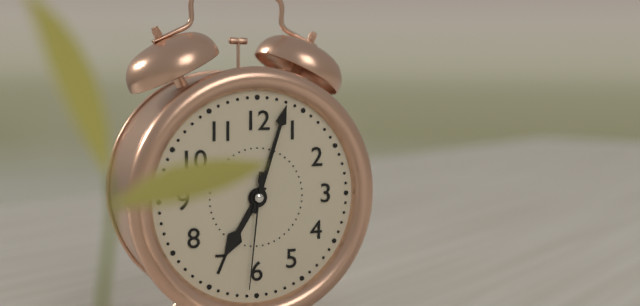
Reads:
h=7 m=3 s=31
